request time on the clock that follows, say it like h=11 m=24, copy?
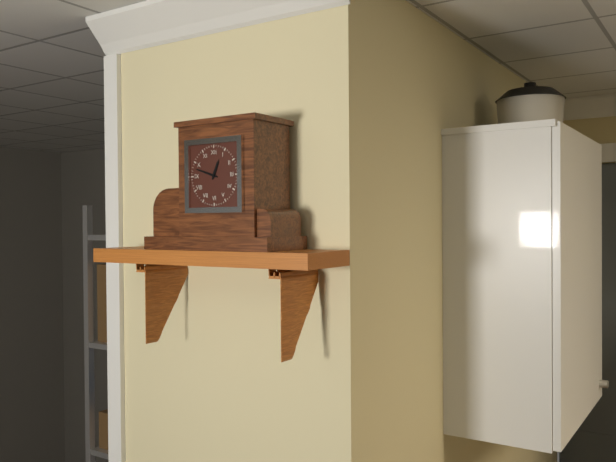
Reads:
h=12 m=48
